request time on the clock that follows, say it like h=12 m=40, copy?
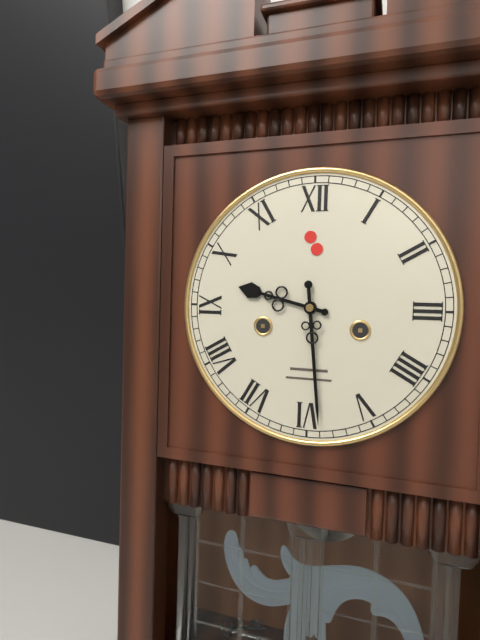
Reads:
h=9 m=29
